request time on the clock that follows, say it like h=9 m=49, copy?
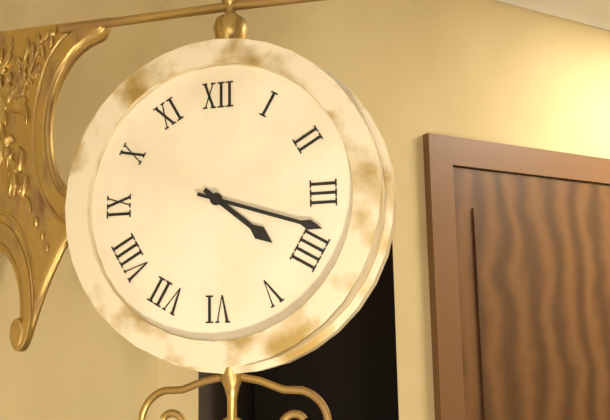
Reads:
h=4 m=18
